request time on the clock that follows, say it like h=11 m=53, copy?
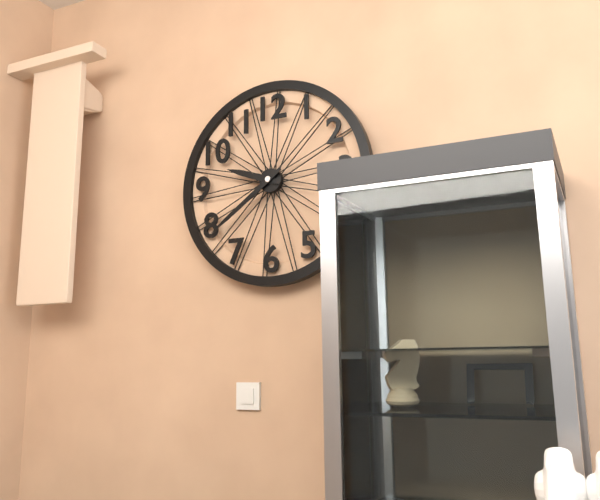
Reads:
h=9 m=39
